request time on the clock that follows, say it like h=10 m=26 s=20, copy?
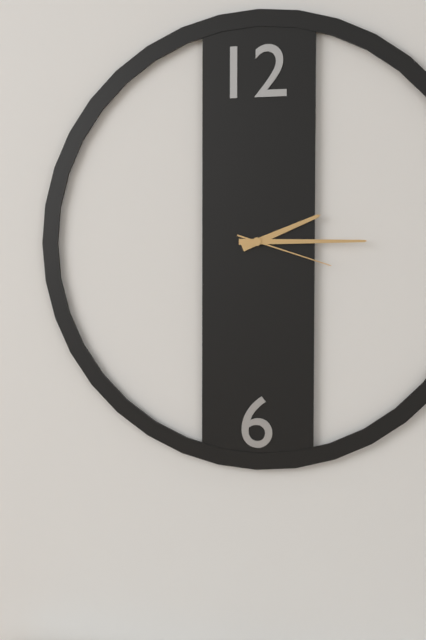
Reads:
h=2 m=15 s=18
